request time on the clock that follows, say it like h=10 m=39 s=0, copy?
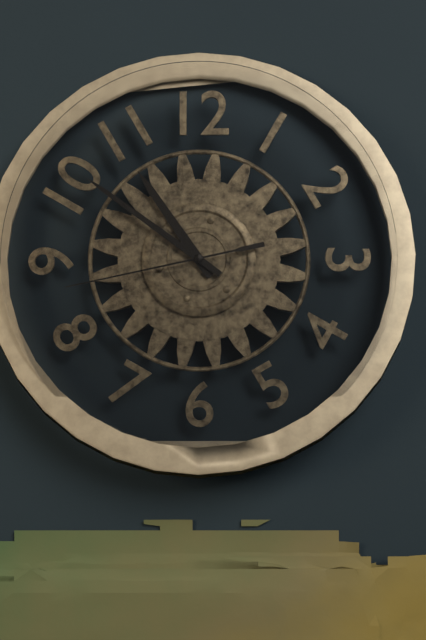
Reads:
h=10 m=51 s=43
